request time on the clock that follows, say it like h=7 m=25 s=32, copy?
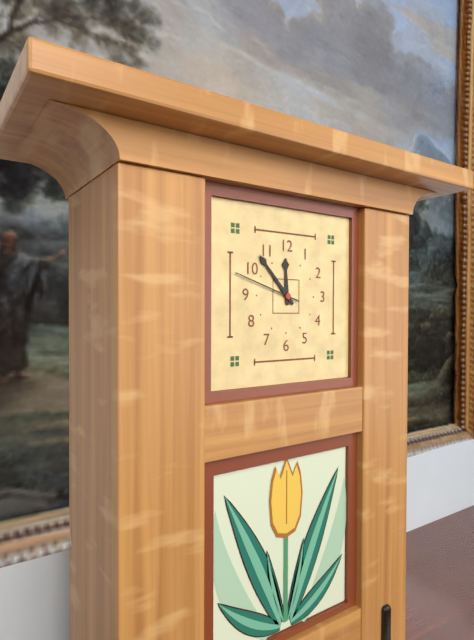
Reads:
h=11 m=53 s=48
